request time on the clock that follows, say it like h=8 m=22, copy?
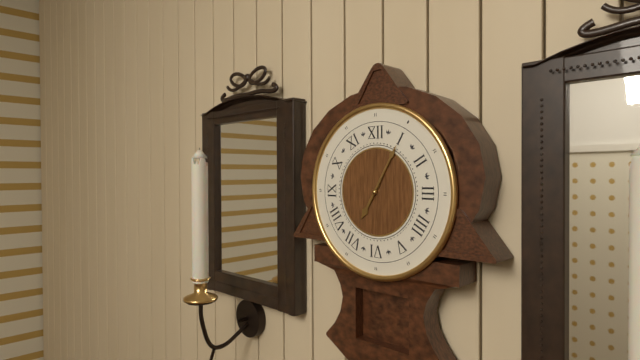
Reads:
h=7 m=5
